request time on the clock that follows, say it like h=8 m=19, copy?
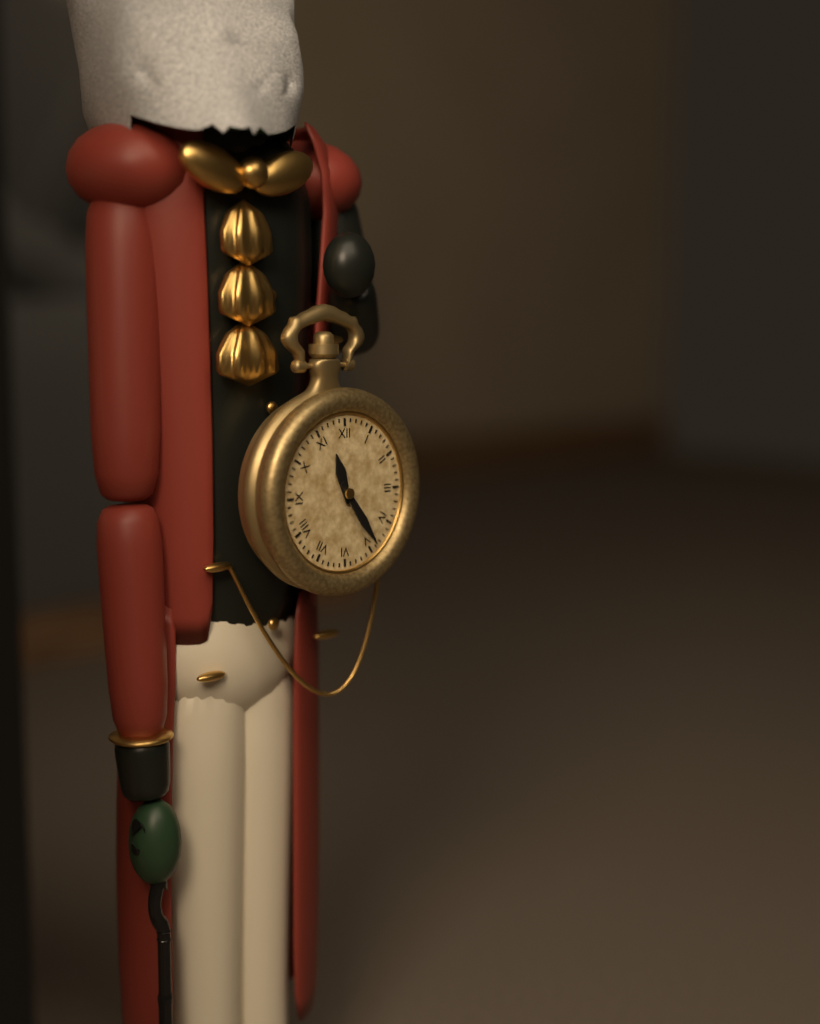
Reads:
h=11 m=24
